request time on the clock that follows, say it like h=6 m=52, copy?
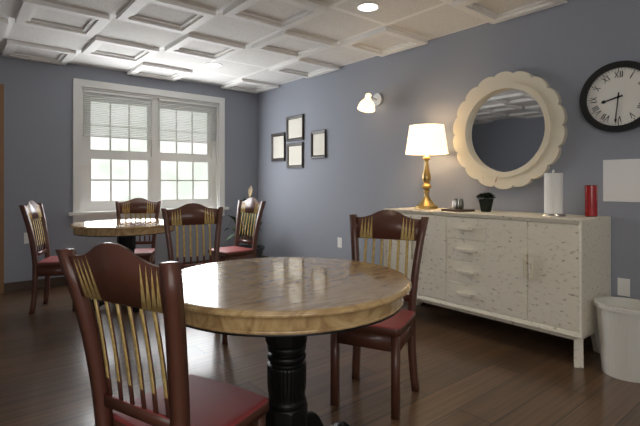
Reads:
h=8 m=31
